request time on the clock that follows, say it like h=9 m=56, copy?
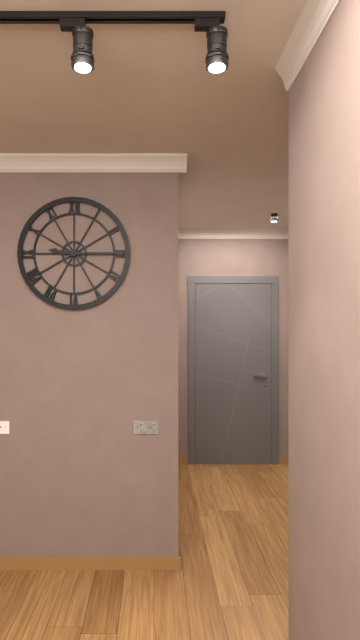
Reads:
h=9 m=15
